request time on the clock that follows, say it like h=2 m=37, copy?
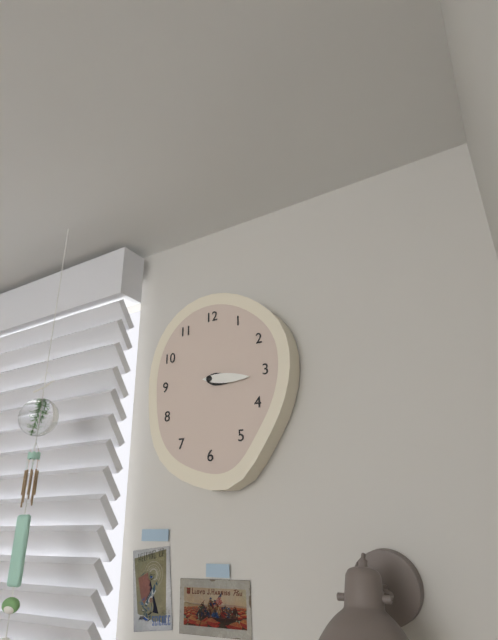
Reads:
h=3 m=16
